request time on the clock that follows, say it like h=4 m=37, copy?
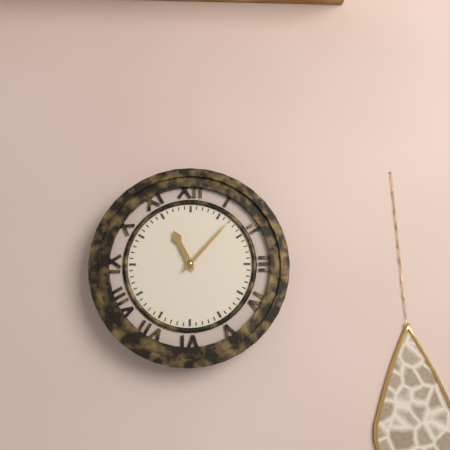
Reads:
h=11 m=7
